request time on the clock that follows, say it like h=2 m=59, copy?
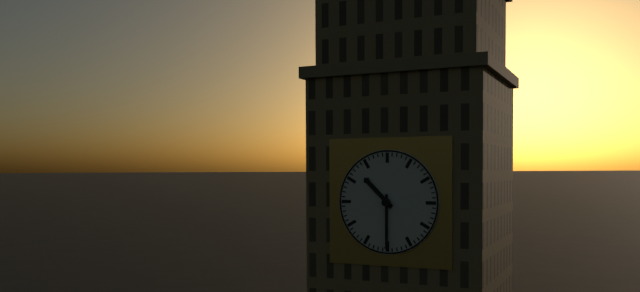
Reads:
h=10 m=30
